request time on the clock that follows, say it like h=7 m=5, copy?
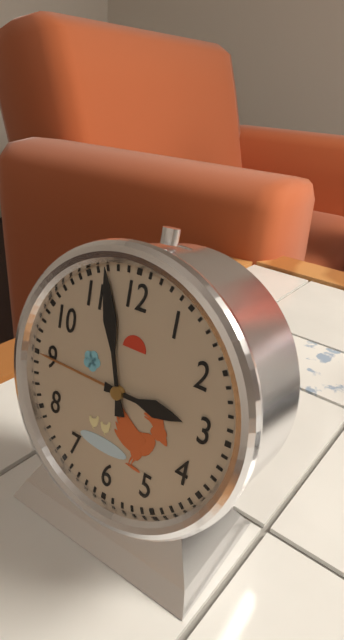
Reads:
h=2 m=57
